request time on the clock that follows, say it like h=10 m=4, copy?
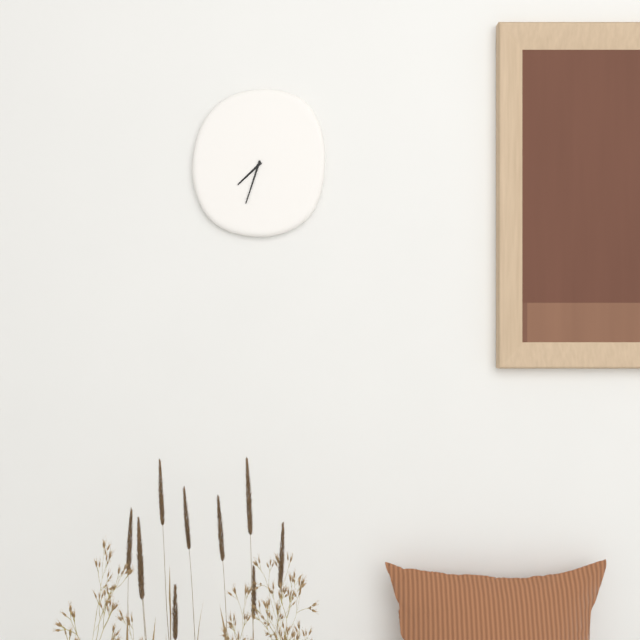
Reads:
h=7 m=33
